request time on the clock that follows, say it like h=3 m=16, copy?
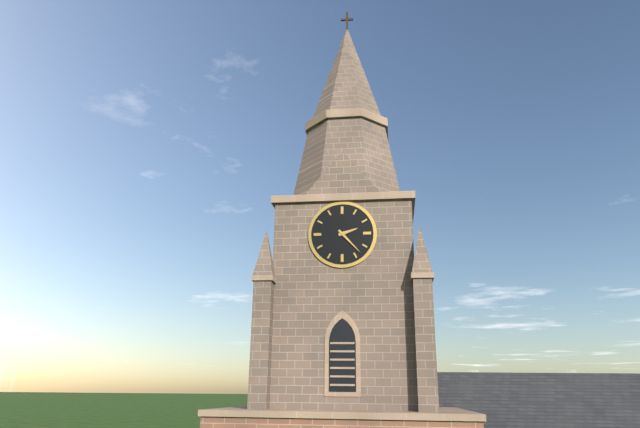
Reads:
h=2 m=23
